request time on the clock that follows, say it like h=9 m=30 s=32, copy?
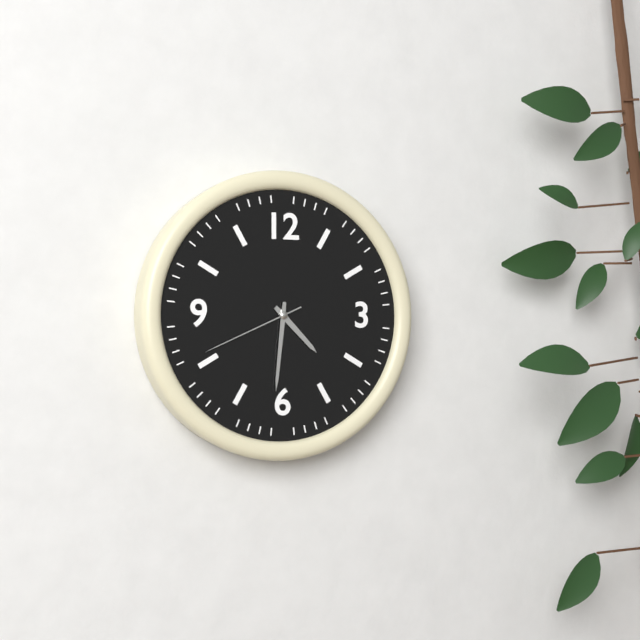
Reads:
h=4 m=31 s=41
